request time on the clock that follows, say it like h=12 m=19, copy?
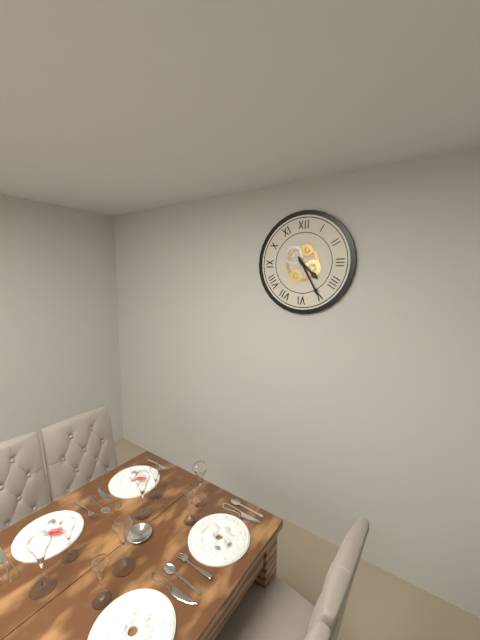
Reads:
h=4 m=25
